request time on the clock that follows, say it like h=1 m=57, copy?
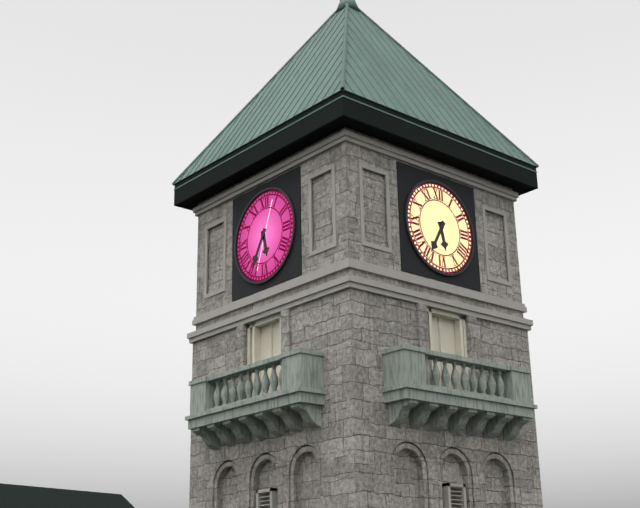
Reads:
h=5 m=35
